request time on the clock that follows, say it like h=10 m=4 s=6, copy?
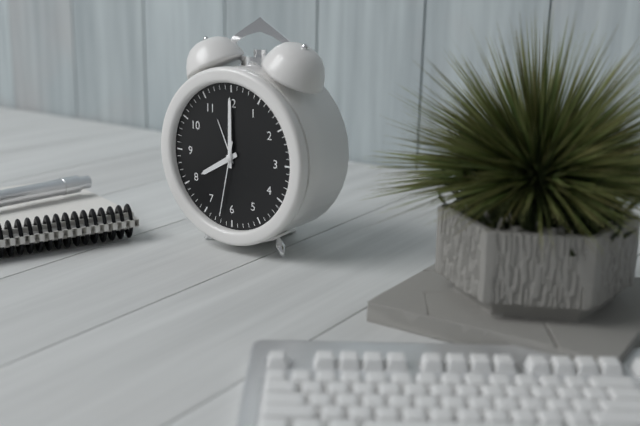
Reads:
h=8 m=0 s=32
